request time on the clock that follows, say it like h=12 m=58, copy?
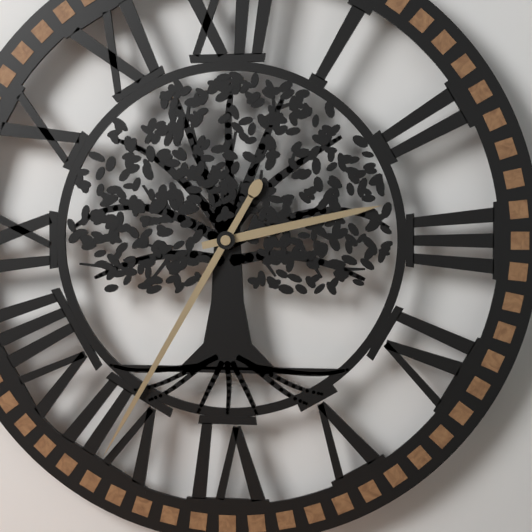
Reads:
h=2 m=35
